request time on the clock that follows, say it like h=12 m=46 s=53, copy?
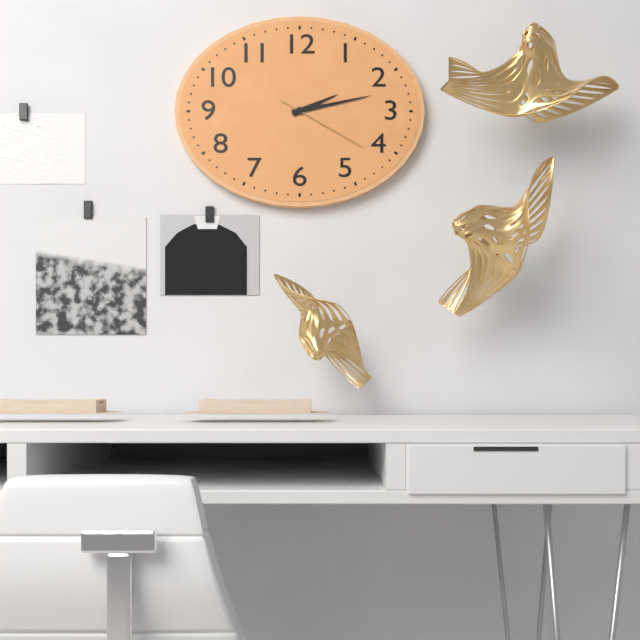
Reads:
h=2 m=13 s=20
